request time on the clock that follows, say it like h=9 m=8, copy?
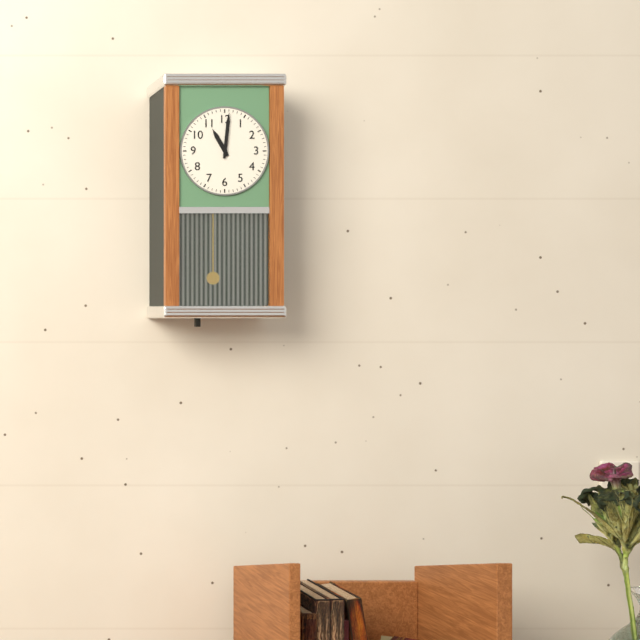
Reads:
h=11 m=1
